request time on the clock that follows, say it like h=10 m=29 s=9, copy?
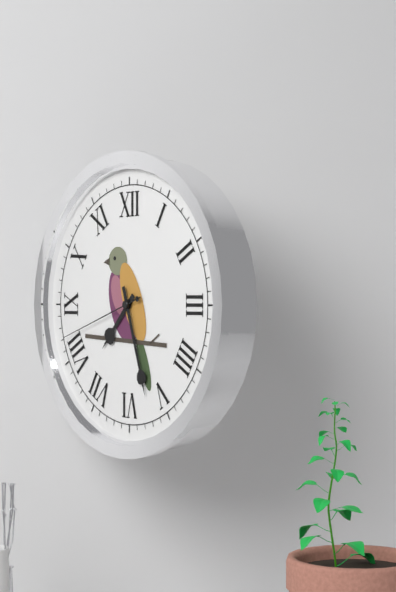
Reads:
h=7 m=27 s=42
